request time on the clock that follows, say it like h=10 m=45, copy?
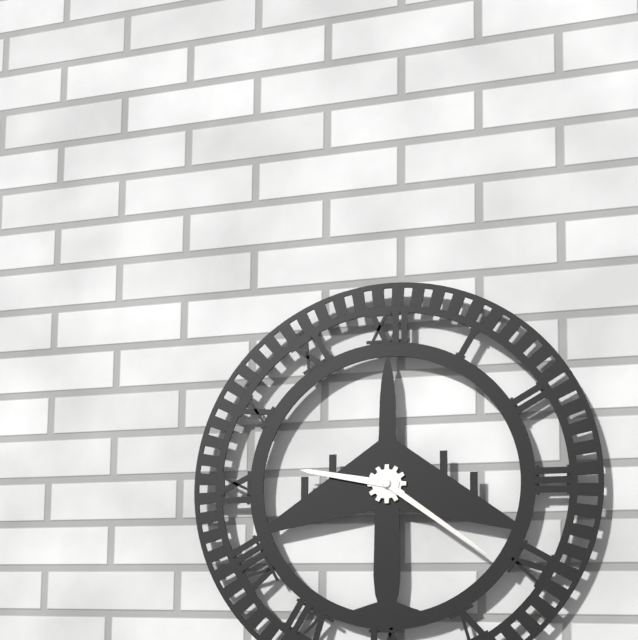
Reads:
h=9 m=21
